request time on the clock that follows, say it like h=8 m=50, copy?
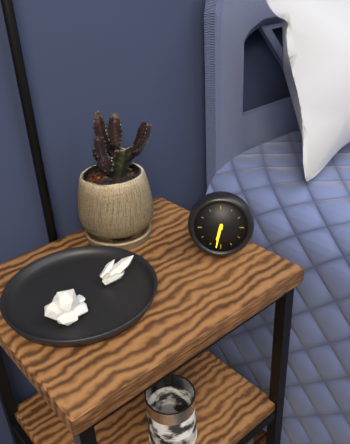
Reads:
h=6 m=32
